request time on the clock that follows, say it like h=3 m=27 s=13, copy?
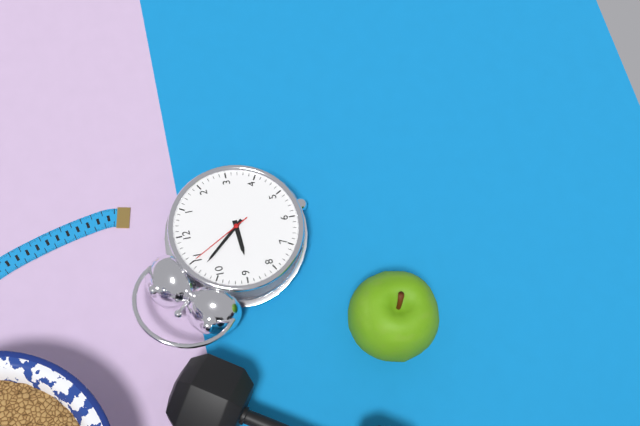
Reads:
h=8 m=53 s=55
